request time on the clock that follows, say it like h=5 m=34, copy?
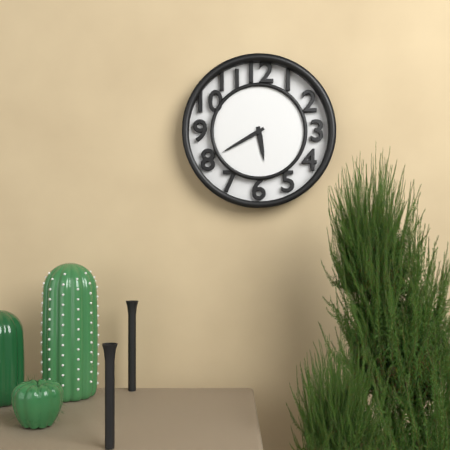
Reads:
h=5 m=40
